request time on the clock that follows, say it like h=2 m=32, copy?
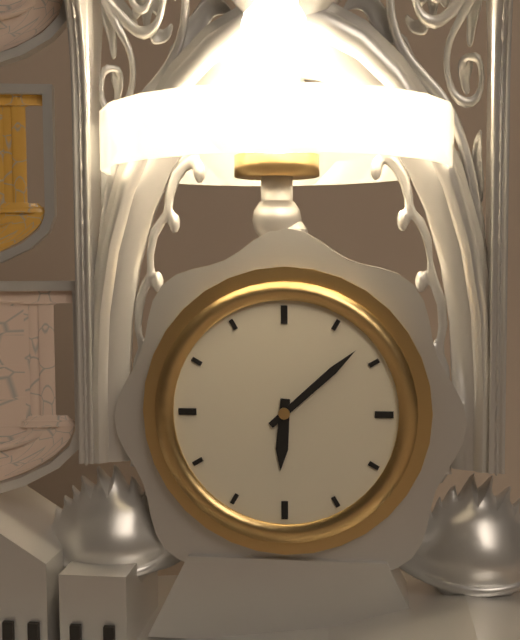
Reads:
h=6 m=8
